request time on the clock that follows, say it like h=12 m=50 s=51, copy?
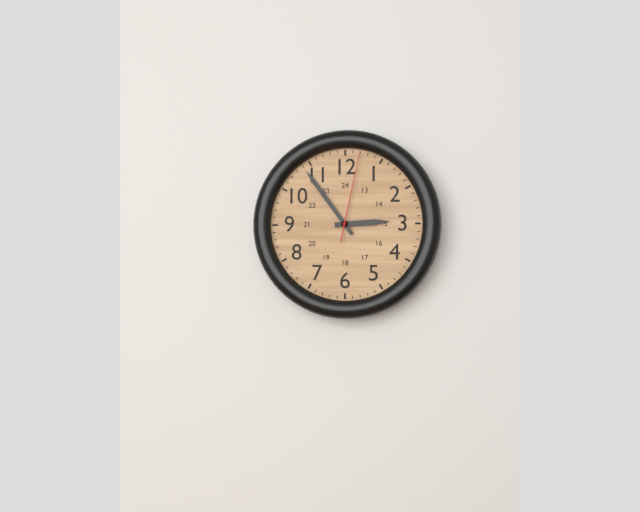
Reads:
h=2 m=54 s=2
